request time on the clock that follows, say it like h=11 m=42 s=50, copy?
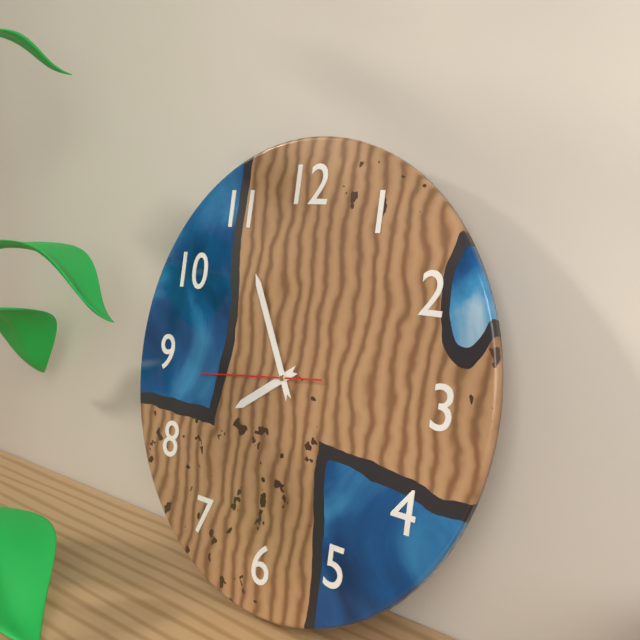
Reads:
h=7 m=55 s=44
